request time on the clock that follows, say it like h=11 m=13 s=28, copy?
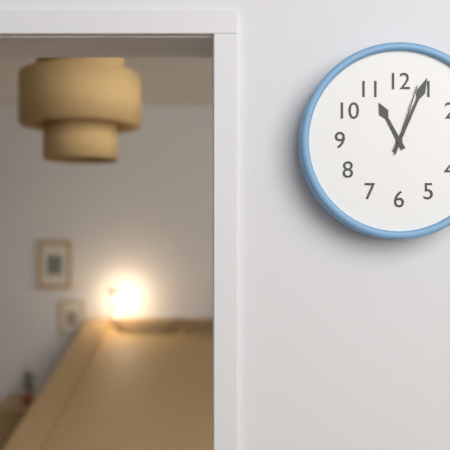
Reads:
h=11 m=4 s=3
